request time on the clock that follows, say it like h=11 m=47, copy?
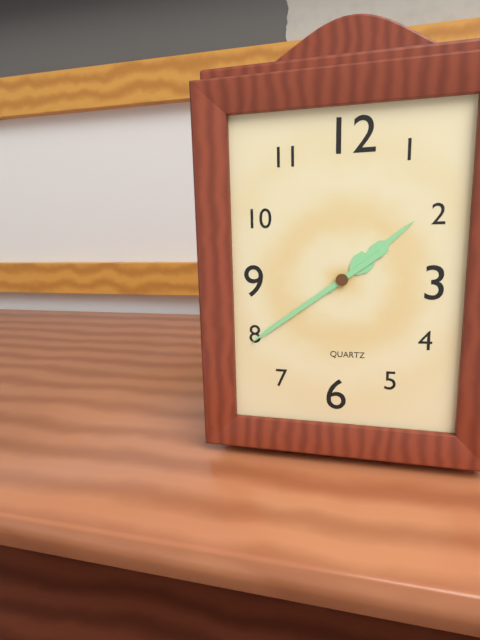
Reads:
h=1 m=39
